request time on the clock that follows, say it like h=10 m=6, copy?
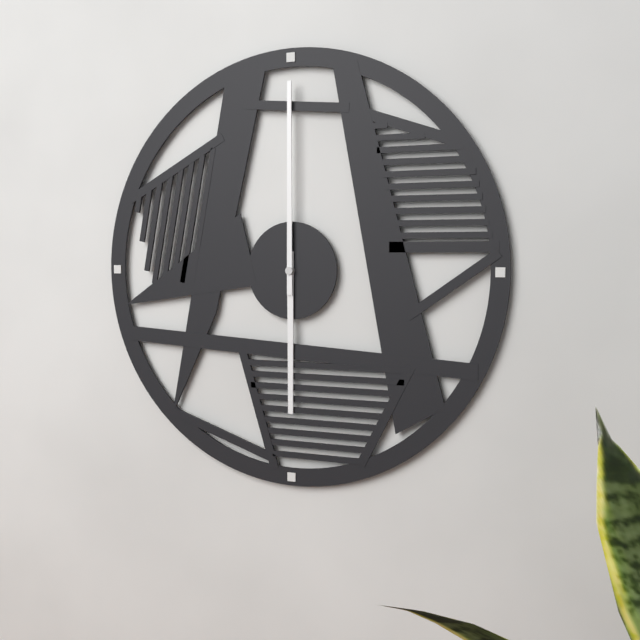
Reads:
h=6 m=0
